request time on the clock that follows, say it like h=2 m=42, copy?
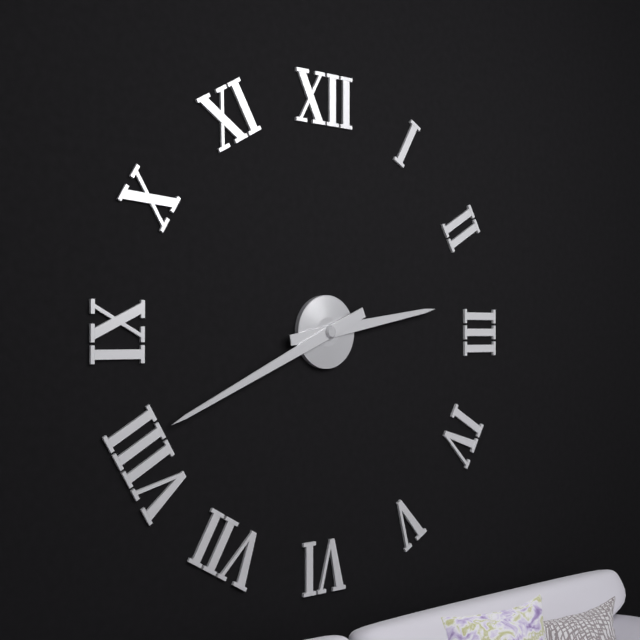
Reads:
h=2 m=41
